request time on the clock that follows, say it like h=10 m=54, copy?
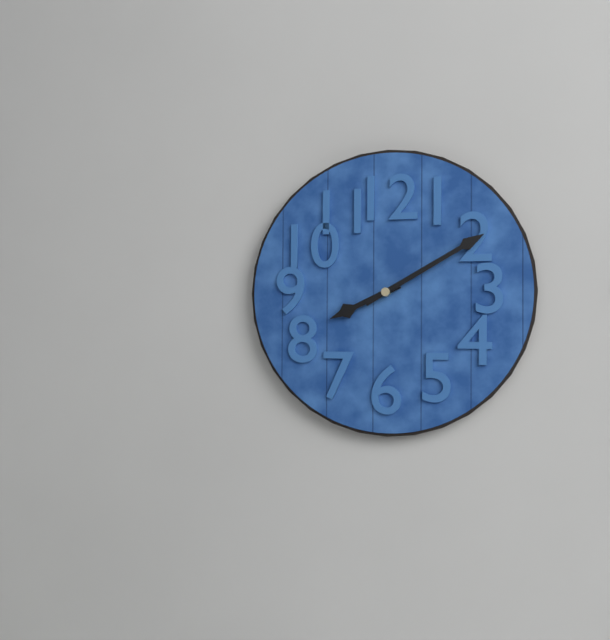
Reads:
h=8 m=10
